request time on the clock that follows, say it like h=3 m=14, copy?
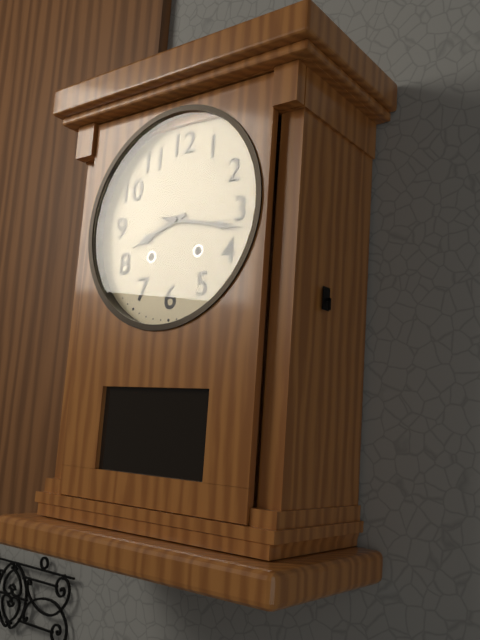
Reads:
h=8 m=17
